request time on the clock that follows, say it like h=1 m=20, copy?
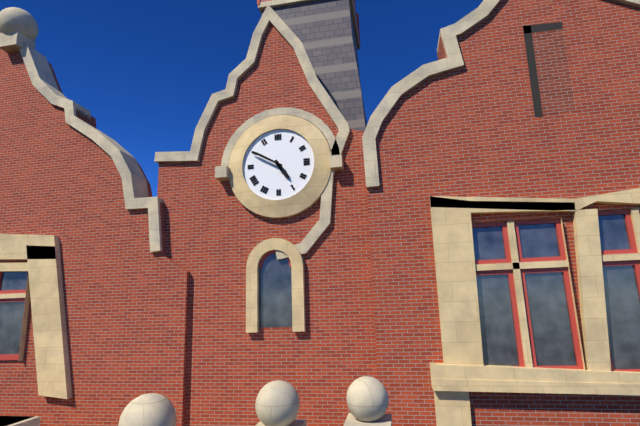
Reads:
h=4 m=50
